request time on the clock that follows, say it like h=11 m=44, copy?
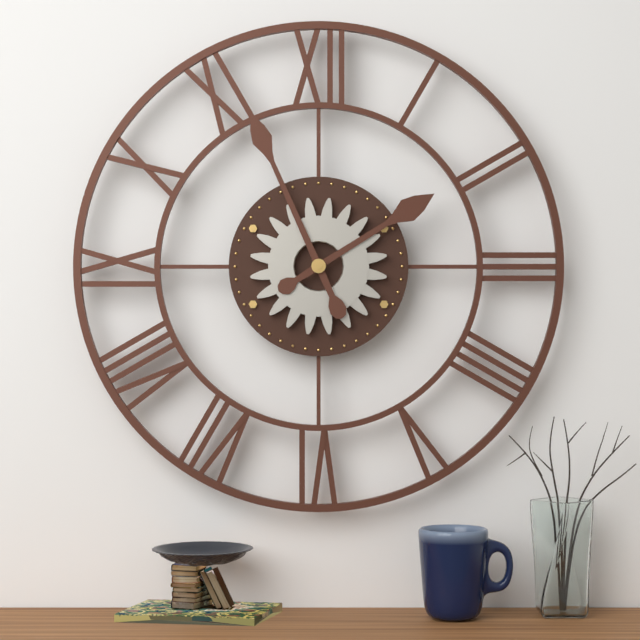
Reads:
h=1 m=56
